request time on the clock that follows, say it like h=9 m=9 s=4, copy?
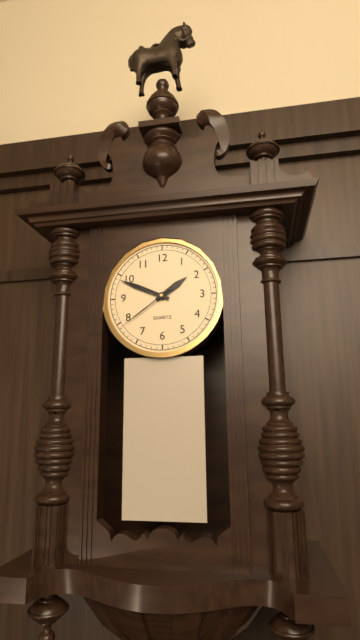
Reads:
h=1 m=49 s=39
